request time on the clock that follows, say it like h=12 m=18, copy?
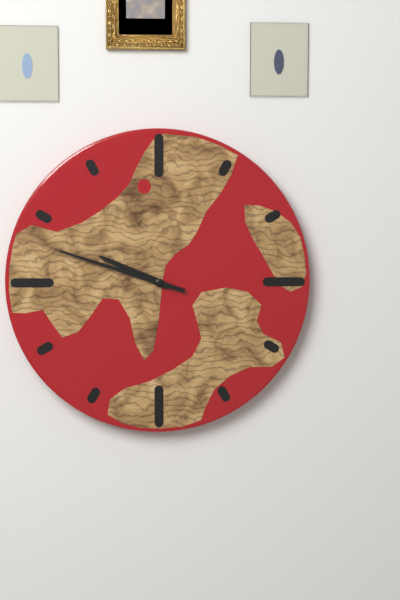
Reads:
h=9 m=48
